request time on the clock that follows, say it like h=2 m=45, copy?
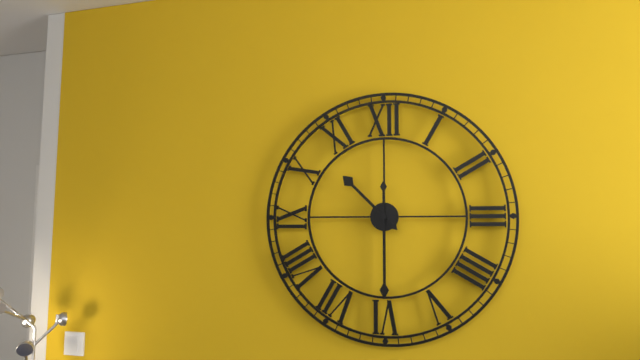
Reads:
h=10 m=30
